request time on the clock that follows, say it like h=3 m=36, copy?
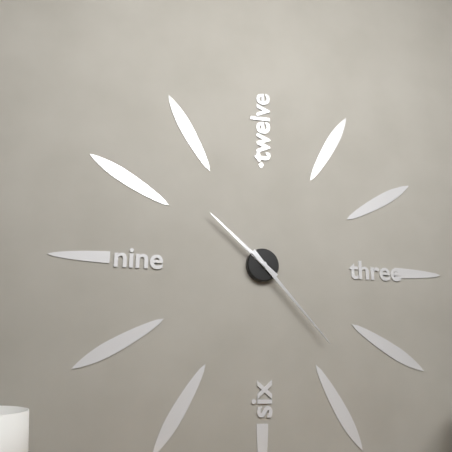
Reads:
h=10 m=23
